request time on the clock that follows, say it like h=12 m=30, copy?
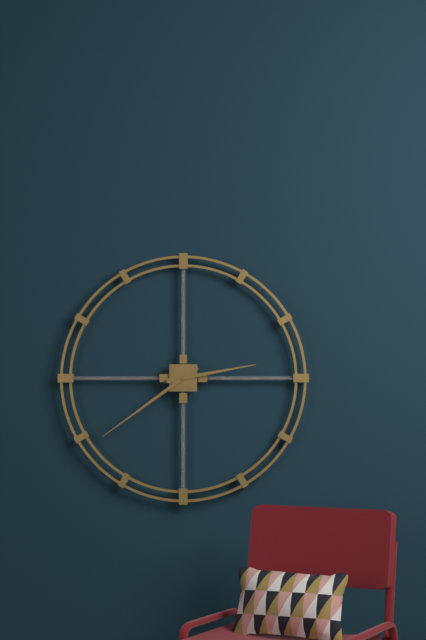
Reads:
h=2 m=39
